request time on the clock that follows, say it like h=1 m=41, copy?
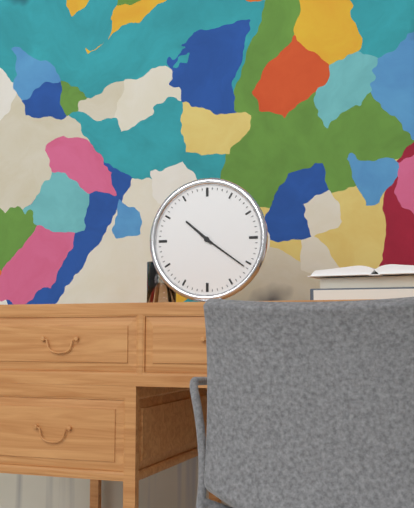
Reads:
h=10 m=21
